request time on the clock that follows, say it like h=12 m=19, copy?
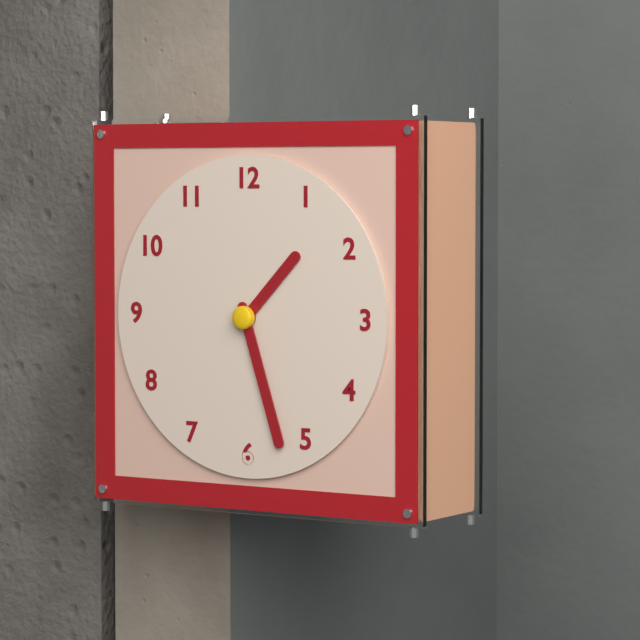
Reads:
h=1 m=27
